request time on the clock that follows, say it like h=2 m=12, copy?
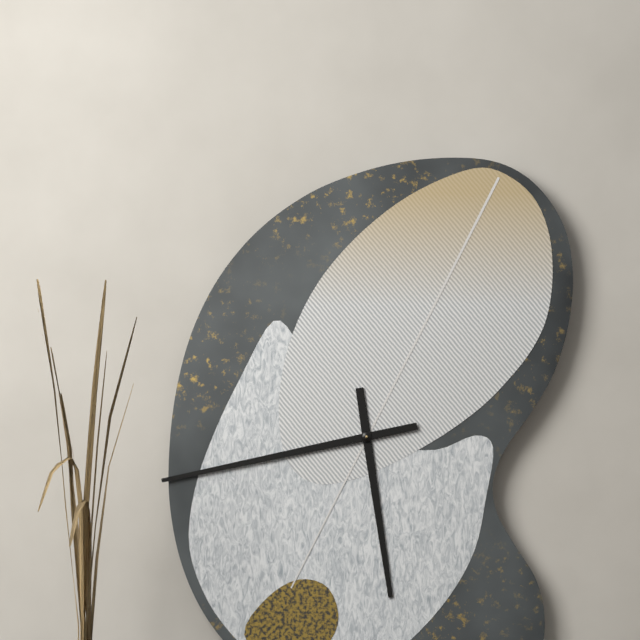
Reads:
h=5 m=43
